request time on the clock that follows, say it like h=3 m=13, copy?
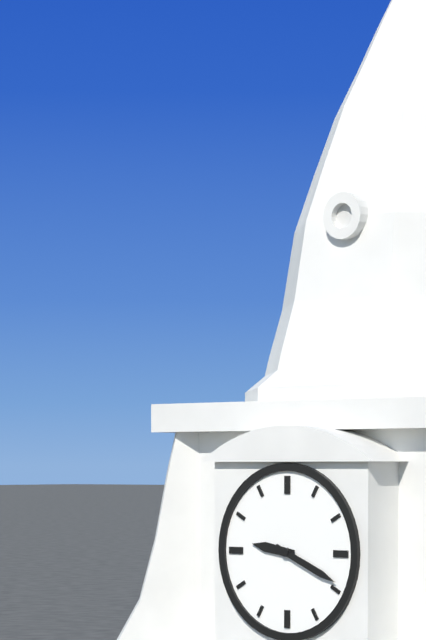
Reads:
h=9 m=19
